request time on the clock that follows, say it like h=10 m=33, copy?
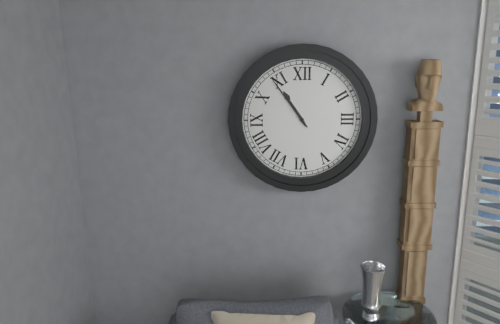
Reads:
h=10 m=54
